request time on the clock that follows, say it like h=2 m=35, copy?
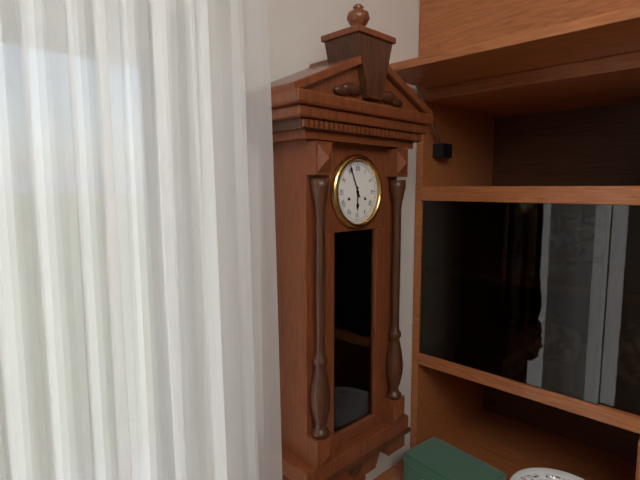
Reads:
h=5 m=56
